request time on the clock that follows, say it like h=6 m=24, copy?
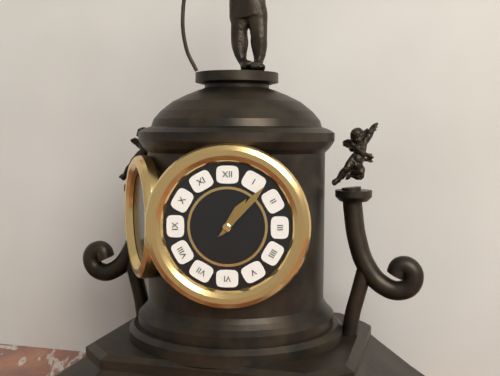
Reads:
h=1 m=7
